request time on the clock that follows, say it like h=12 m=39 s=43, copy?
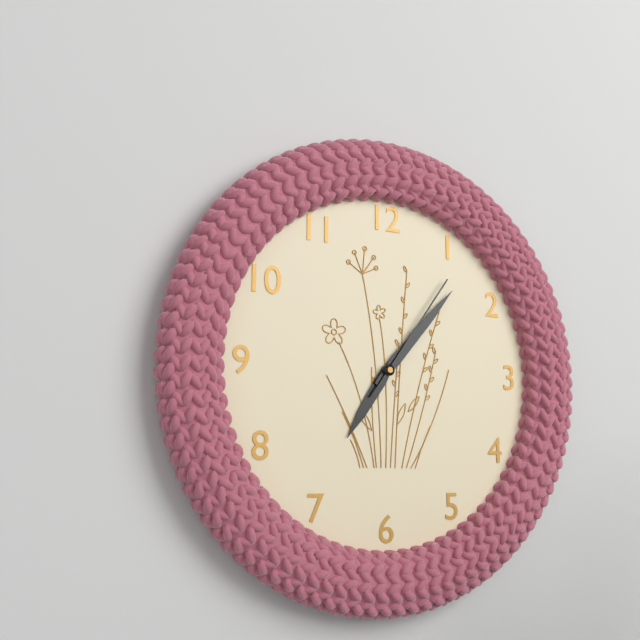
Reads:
h=7 m=7 s=6
